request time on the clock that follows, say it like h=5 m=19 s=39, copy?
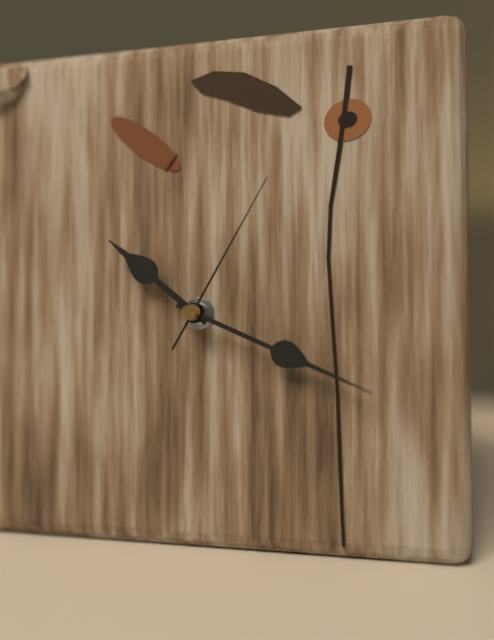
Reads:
h=10 m=19 s=5
